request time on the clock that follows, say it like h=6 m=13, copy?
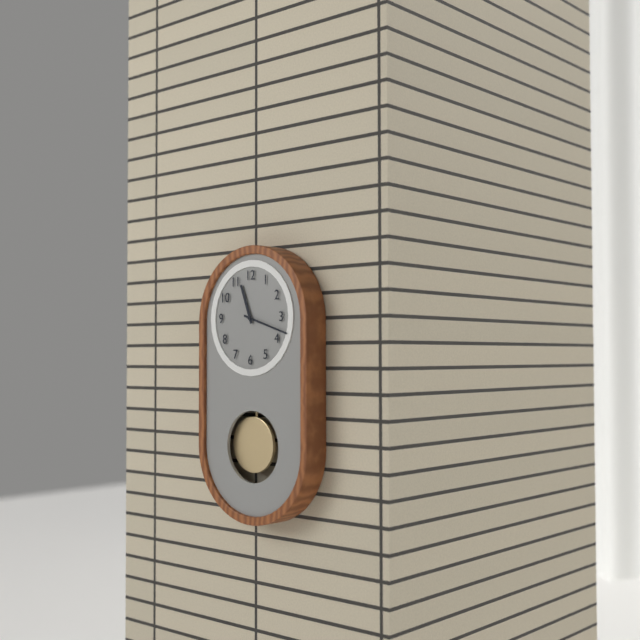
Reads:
h=11 m=18
